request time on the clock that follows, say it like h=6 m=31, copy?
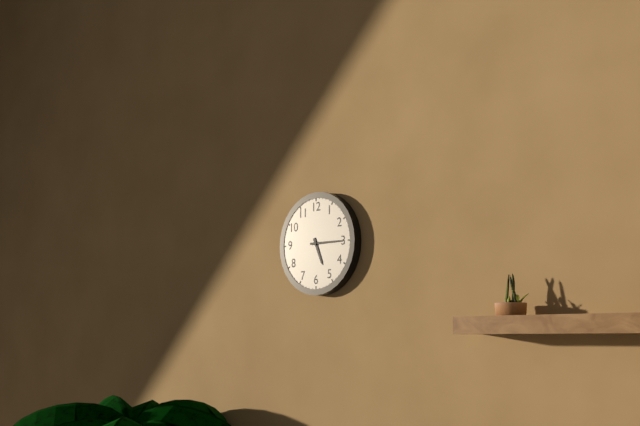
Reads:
h=5 m=15
